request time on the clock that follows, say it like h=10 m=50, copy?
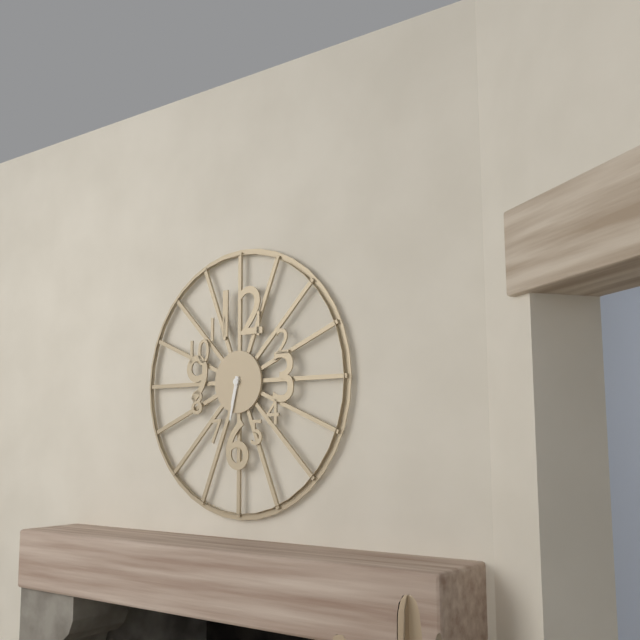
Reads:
h=6 m=32
